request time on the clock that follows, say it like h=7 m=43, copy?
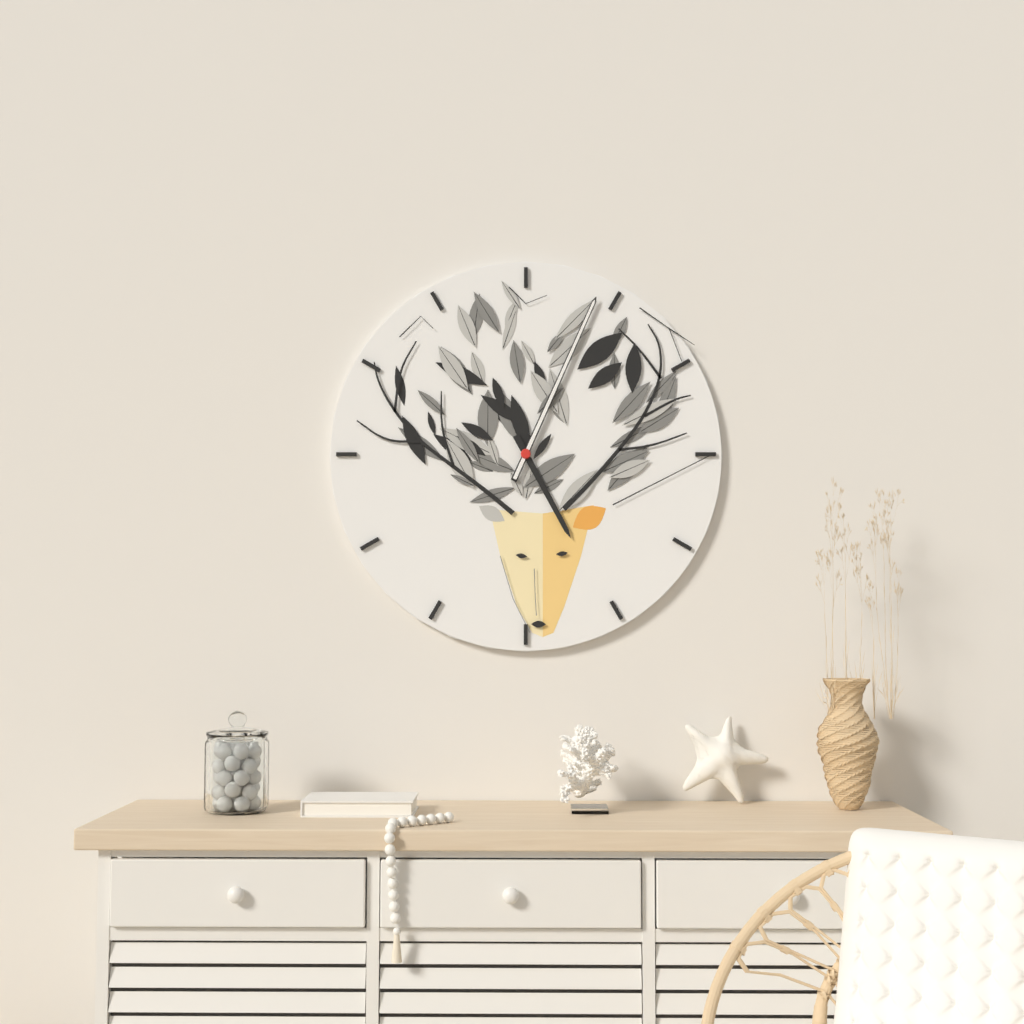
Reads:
h=5 m=4
